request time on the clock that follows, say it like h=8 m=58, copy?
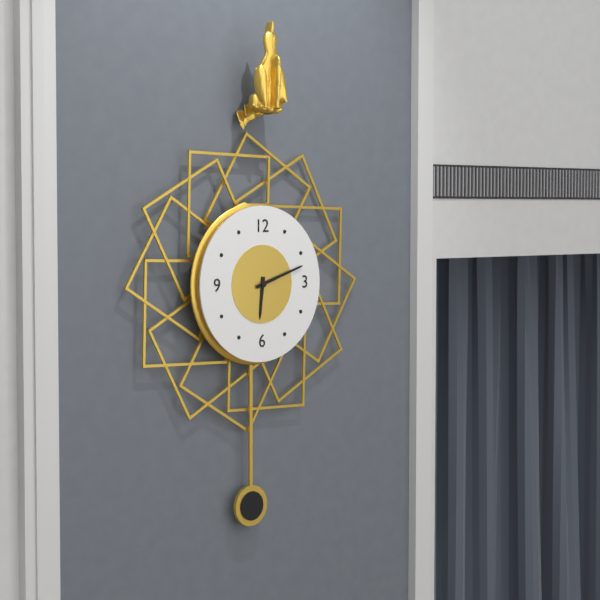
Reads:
h=6 m=12
